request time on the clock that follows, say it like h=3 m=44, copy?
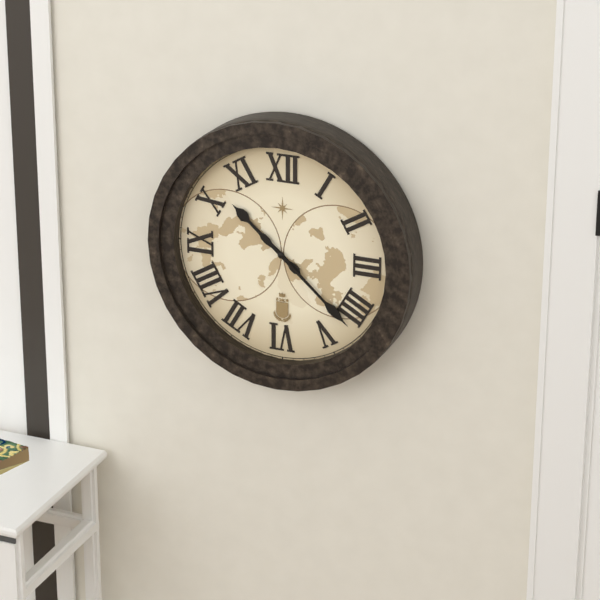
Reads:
h=10 m=22
